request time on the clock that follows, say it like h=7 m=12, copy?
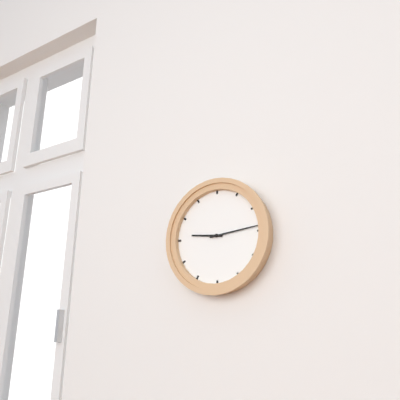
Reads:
h=9 m=14
